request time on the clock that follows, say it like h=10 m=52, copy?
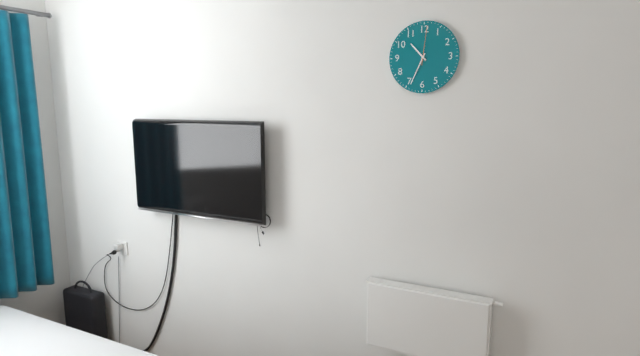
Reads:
h=10 m=34
